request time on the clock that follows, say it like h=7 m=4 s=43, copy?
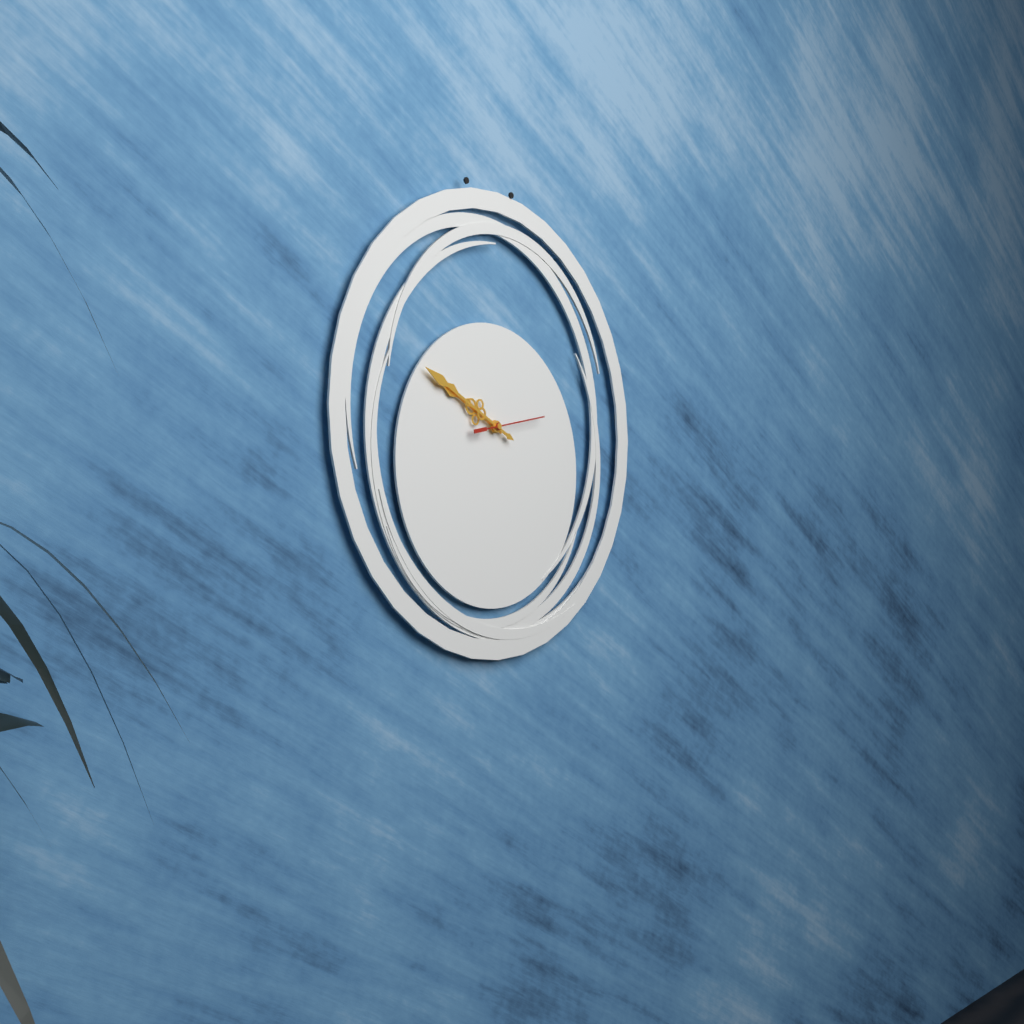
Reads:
h=9 m=49 s=13
